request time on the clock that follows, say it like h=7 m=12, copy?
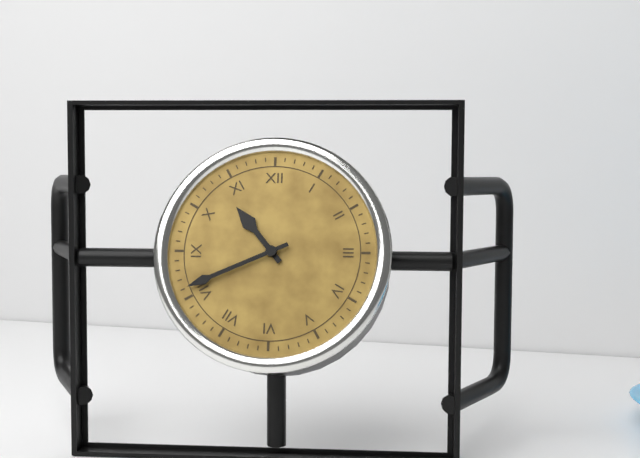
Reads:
h=10 m=41
